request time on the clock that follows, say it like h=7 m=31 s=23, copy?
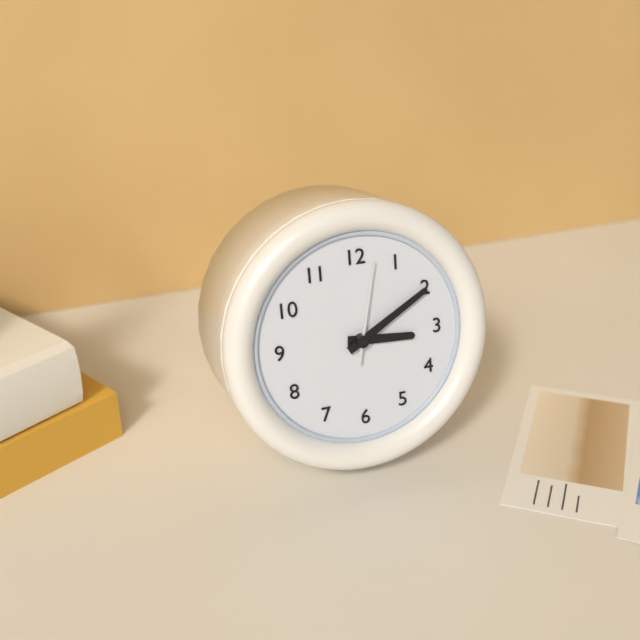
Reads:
h=3 m=10 s=2
